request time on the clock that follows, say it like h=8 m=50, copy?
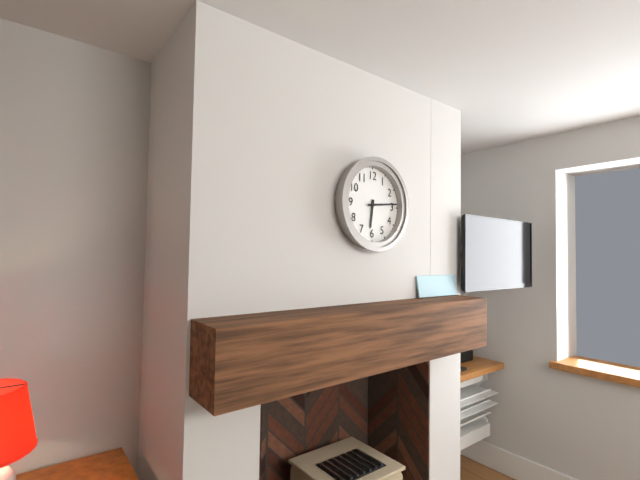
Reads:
h=6 m=14
